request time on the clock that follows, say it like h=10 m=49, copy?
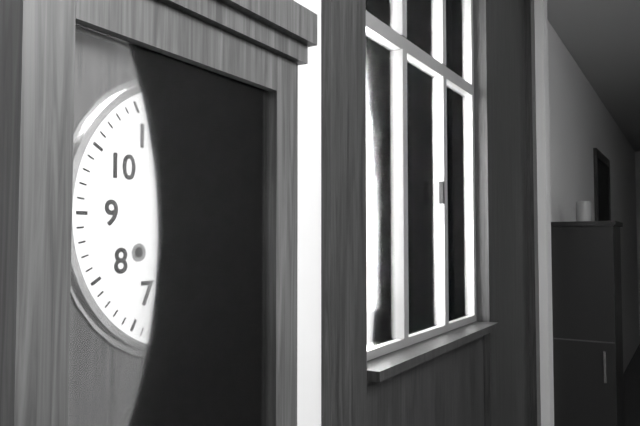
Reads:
h=12 m=33
